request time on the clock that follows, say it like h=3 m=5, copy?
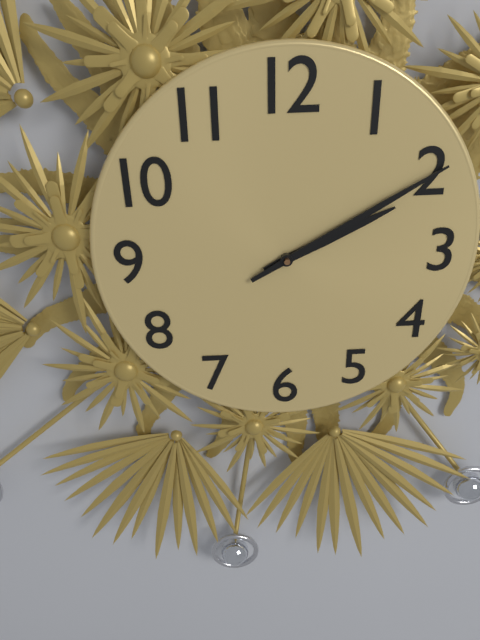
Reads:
h=2 m=10
